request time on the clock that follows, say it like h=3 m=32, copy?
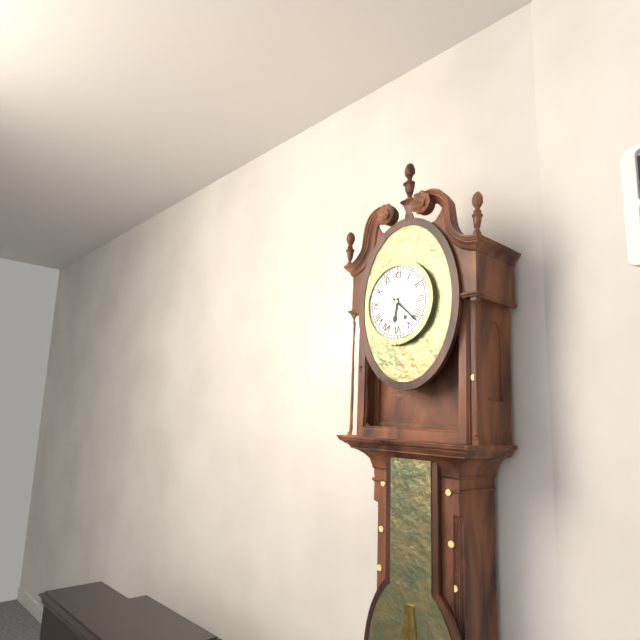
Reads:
h=6 m=22
